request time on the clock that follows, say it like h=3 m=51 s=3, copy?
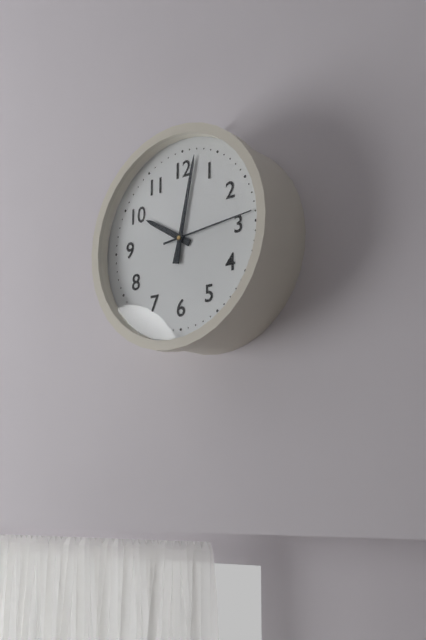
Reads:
h=10 m=2 s=14
